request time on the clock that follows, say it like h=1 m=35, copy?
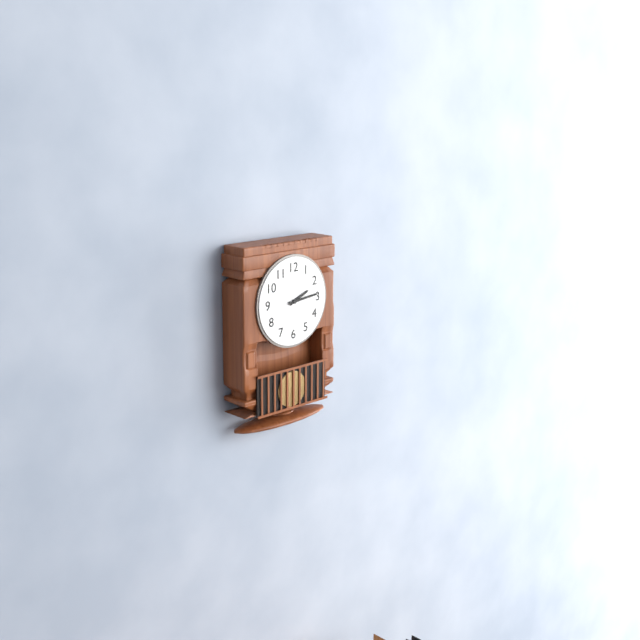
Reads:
h=2 m=14
